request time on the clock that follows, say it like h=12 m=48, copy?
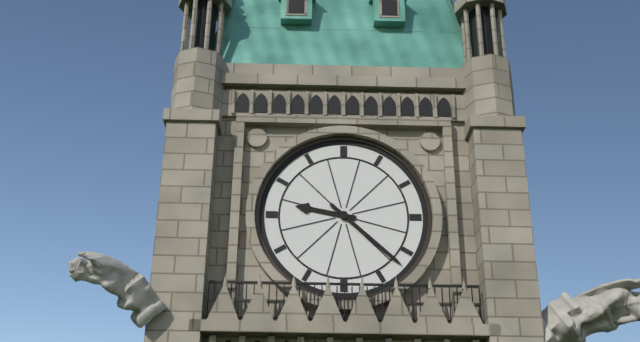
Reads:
h=9 m=22
